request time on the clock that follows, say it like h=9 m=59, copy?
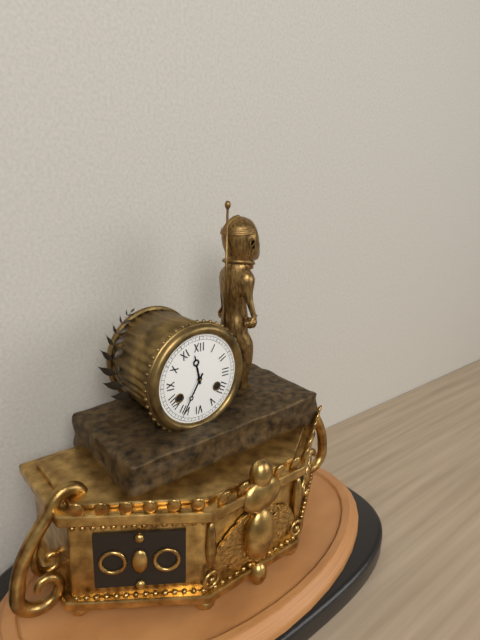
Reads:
h=11 m=35
